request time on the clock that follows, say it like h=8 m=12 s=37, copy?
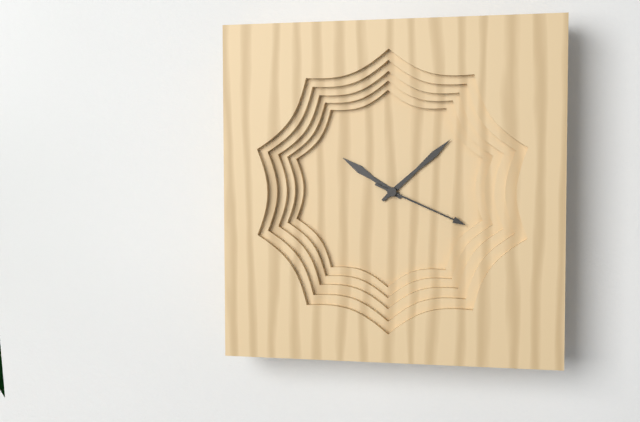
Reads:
h=10 m=8 s=19
